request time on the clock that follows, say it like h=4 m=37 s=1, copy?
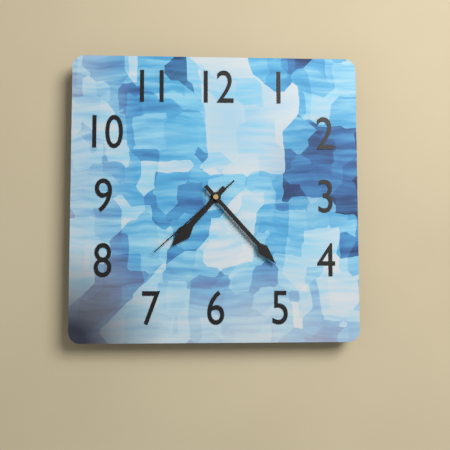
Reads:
h=7 m=23 s=38
